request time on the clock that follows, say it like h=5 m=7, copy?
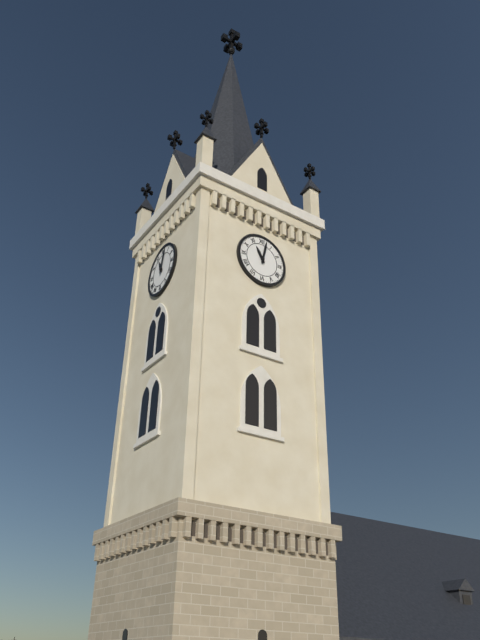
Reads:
h=11 m=2
